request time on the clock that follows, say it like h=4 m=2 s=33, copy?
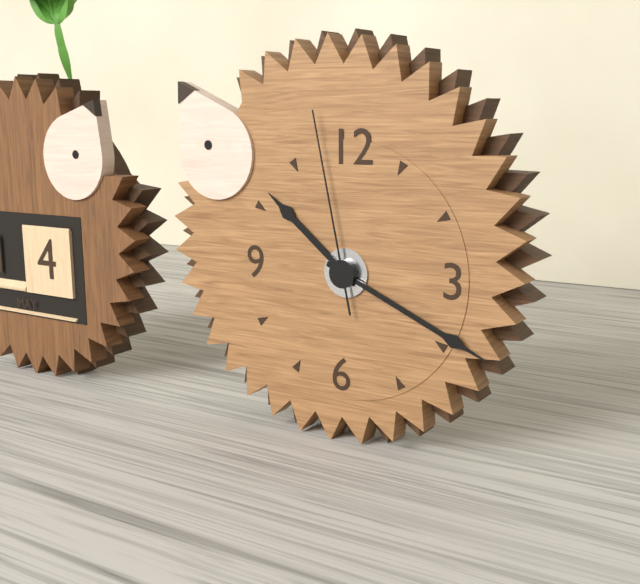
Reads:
h=10 m=19 s=58
